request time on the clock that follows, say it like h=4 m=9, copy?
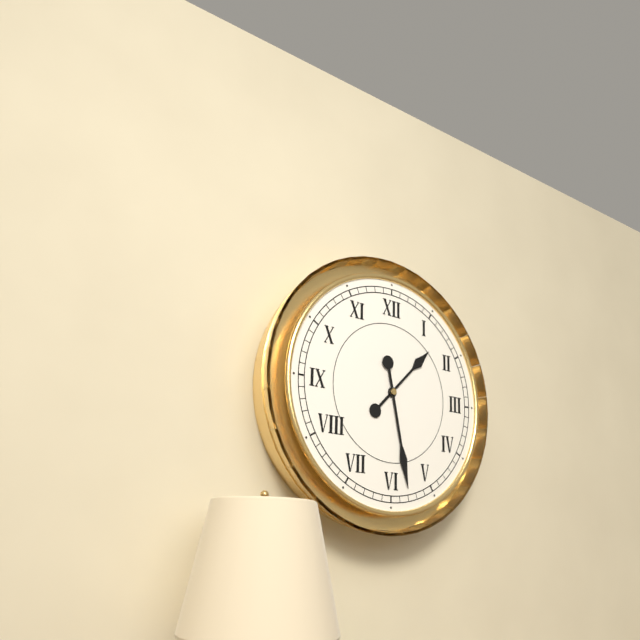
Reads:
h=1 m=28
